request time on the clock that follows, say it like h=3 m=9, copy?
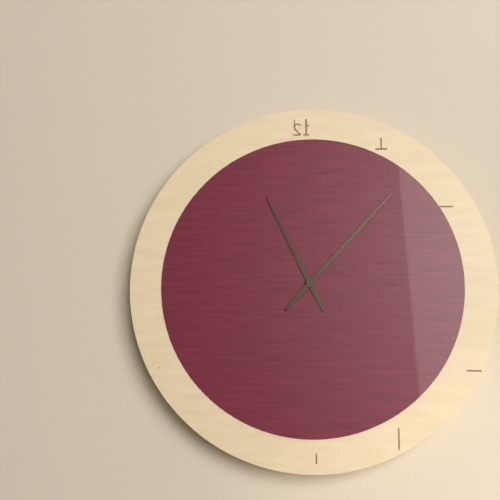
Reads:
h=11 m=7
